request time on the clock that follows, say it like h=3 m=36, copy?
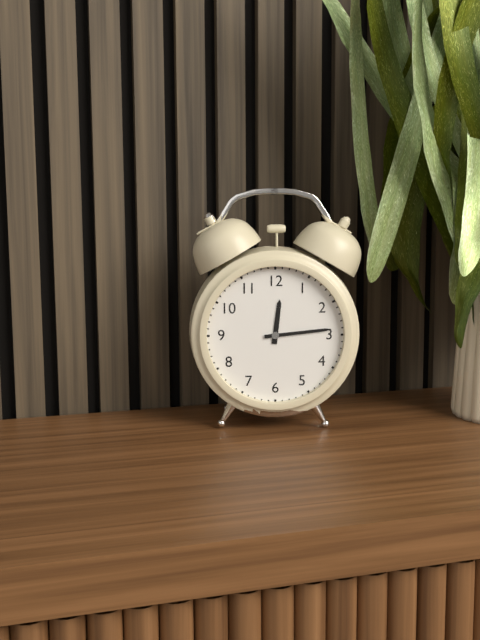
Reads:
h=12 m=14
